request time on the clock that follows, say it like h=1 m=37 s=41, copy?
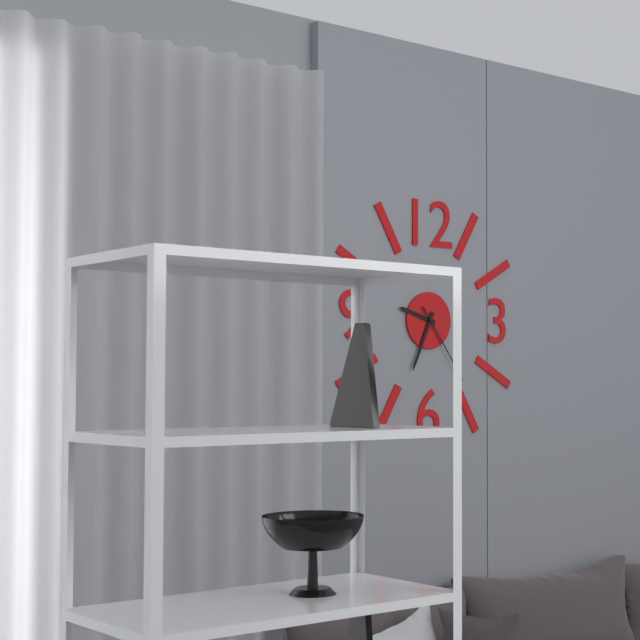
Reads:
h=9 m=34 s=24
